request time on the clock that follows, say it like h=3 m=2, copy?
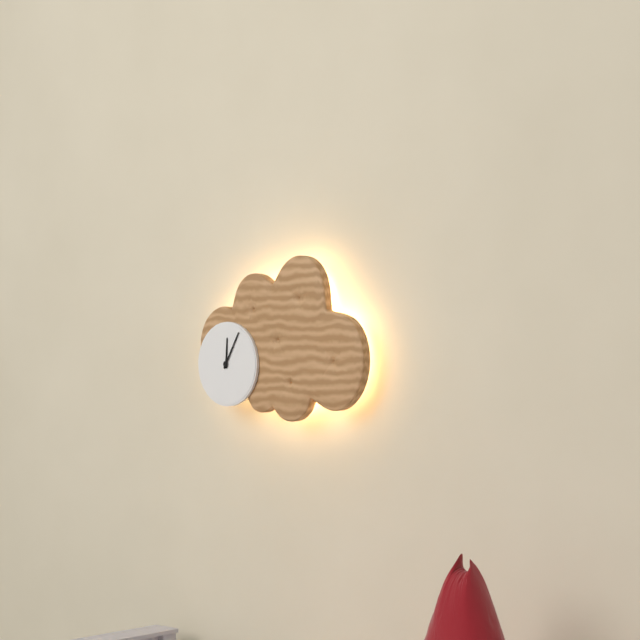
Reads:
h=12 m=5
